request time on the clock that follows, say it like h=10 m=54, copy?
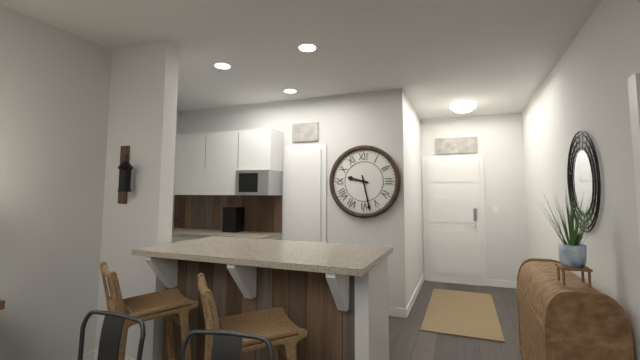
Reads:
h=9 m=28
